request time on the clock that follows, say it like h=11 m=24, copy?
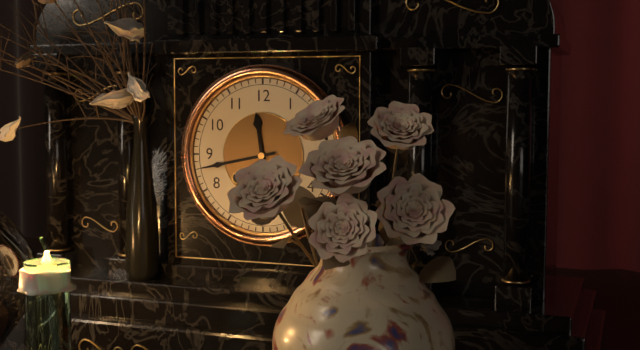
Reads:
h=11 m=43
